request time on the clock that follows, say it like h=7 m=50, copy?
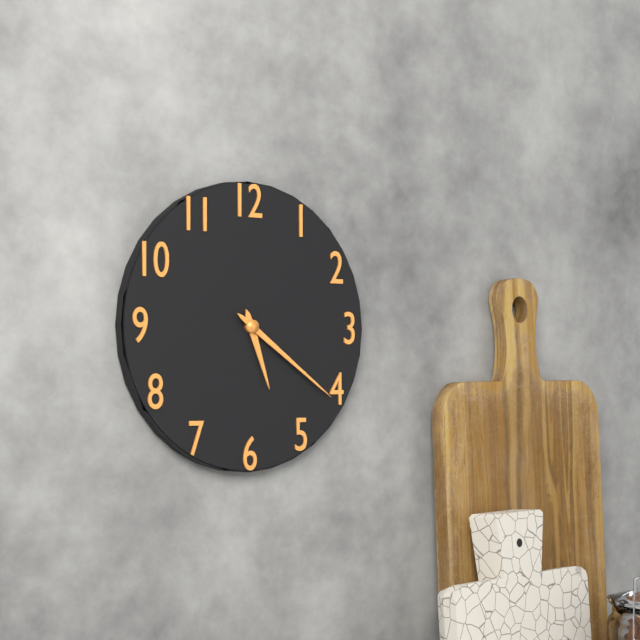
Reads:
h=5 m=21
